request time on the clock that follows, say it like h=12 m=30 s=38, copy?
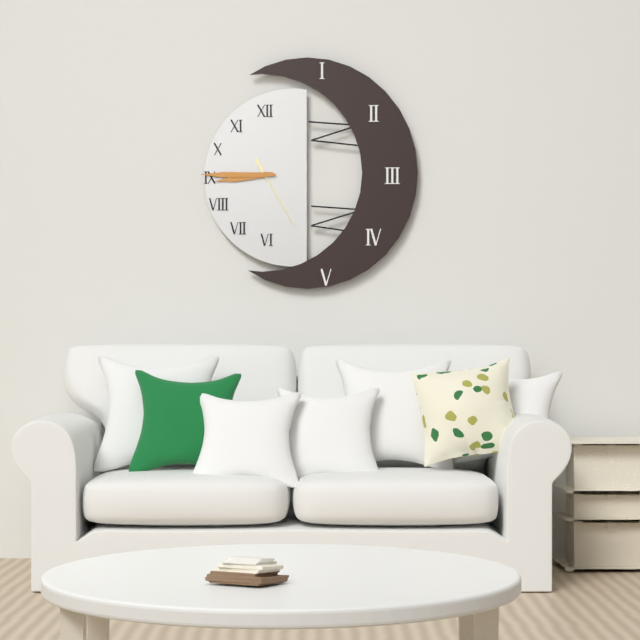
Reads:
h=8 m=45 s=25
